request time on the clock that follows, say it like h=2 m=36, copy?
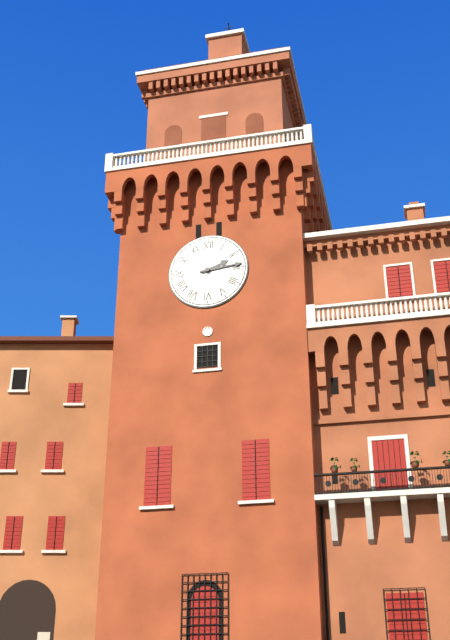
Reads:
h=2 m=14
